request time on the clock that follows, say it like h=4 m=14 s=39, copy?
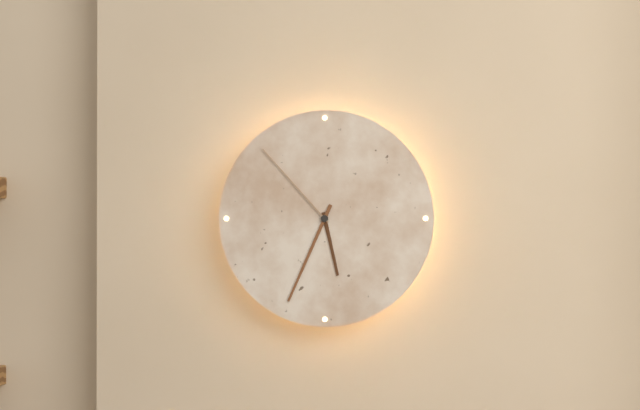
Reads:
h=5 m=34 s=53
